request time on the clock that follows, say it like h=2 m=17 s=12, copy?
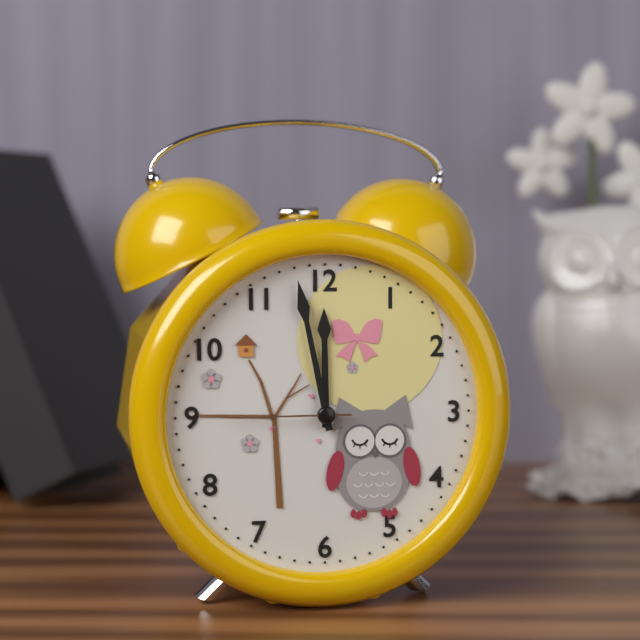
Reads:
h=11 m=58 s=45
